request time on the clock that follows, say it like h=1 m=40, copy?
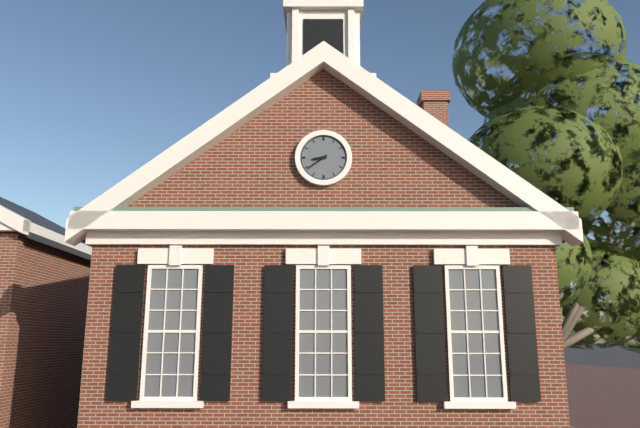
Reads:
h=8 m=39
